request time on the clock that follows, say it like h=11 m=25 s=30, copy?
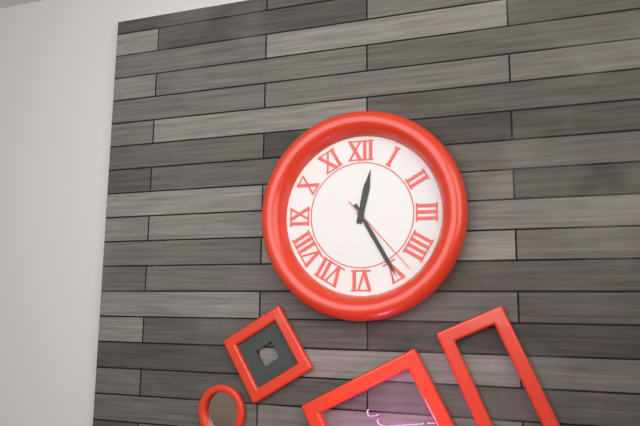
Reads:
h=12 m=25 s=23
